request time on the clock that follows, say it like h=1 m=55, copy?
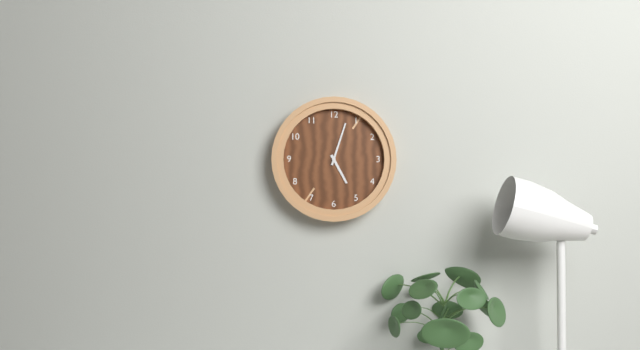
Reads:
h=5 m=3
